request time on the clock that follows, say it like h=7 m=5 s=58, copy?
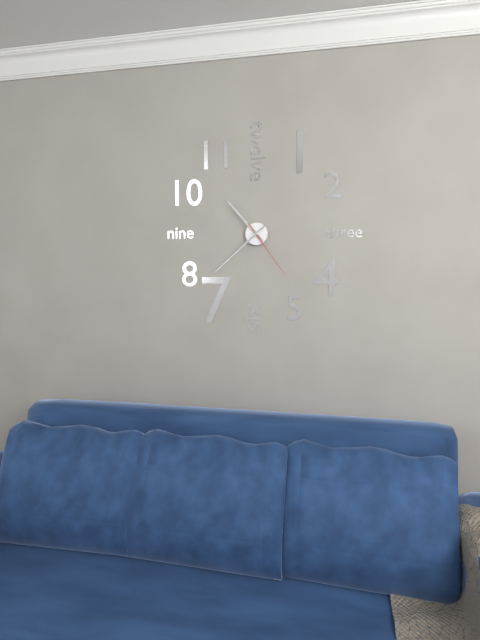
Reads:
h=10 m=38 s=24
